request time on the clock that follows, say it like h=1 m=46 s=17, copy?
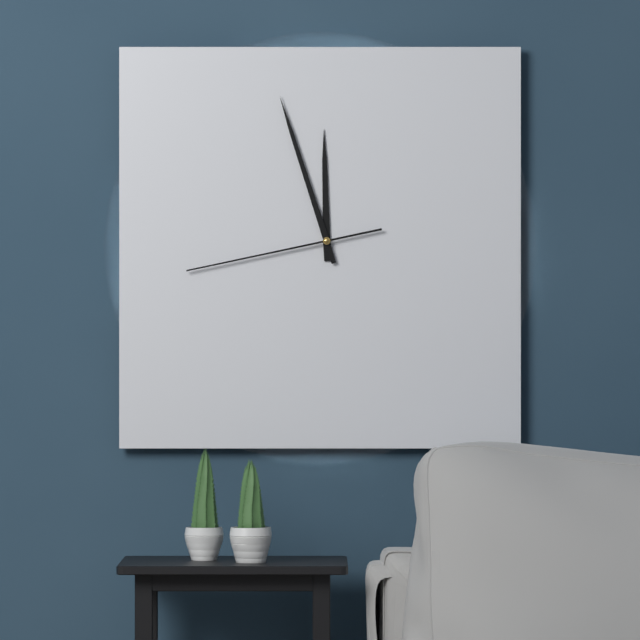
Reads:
h=11 m=57 s=43
